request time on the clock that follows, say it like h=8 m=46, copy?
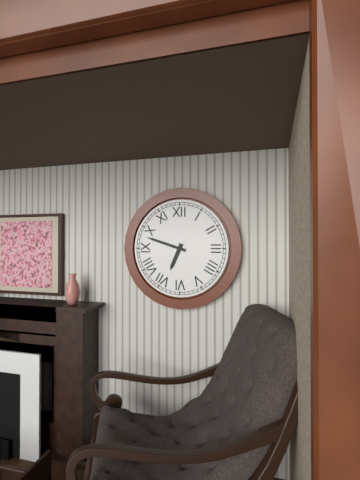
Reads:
h=6 m=48
